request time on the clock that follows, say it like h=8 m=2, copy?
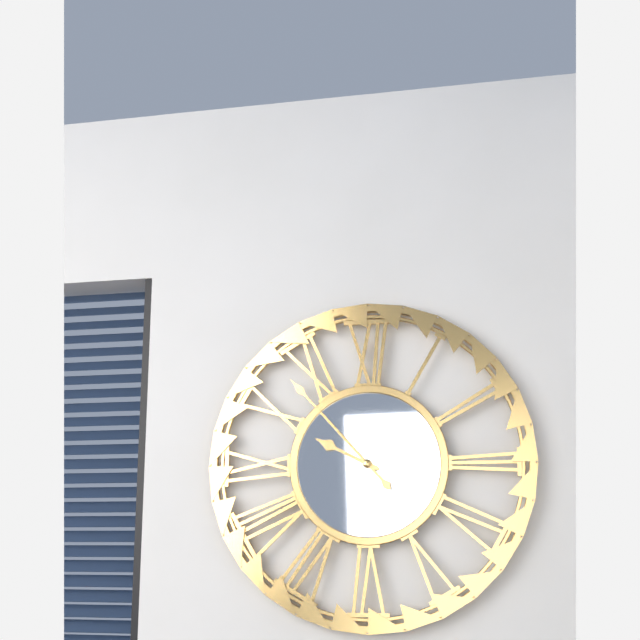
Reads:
h=9 m=53
